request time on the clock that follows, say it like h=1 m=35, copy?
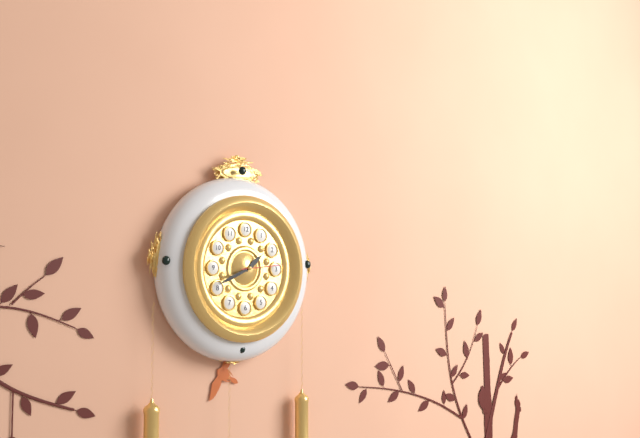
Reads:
h=1 m=41
